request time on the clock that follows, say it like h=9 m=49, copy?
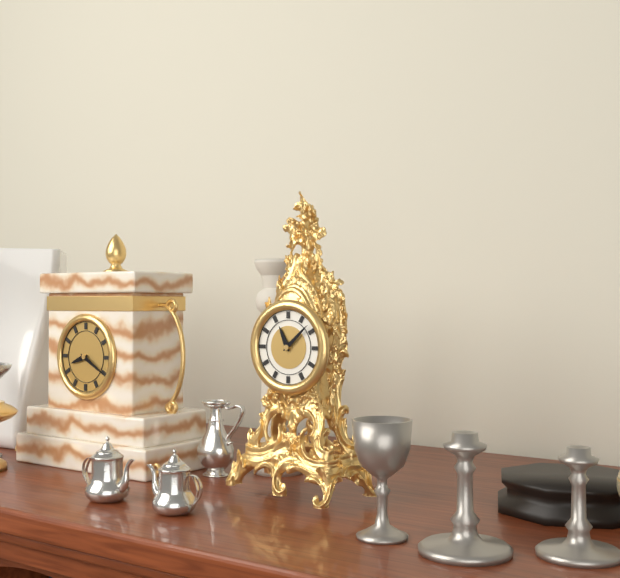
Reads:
h=11 m=8
